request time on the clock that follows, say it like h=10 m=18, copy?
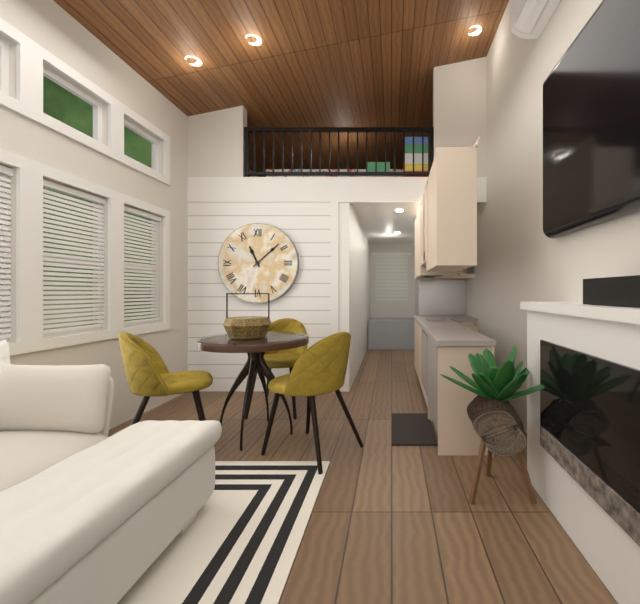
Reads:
h=11 m=8
